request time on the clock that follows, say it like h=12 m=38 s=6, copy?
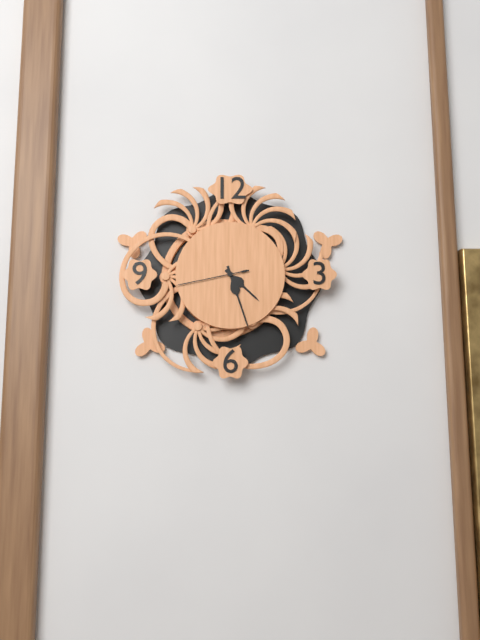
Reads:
h=4 m=27 s=43
